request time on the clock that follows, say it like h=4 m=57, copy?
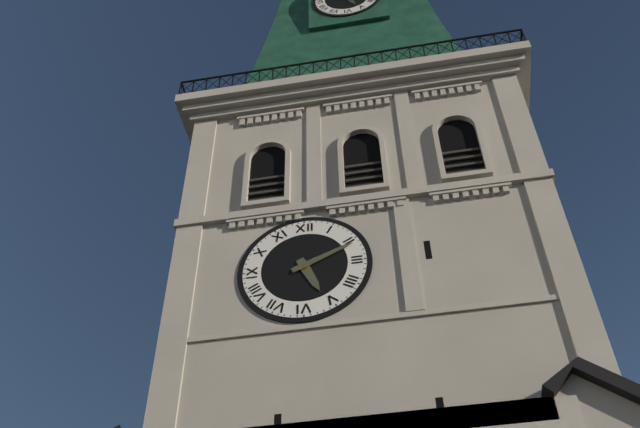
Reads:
h=5 m=11
